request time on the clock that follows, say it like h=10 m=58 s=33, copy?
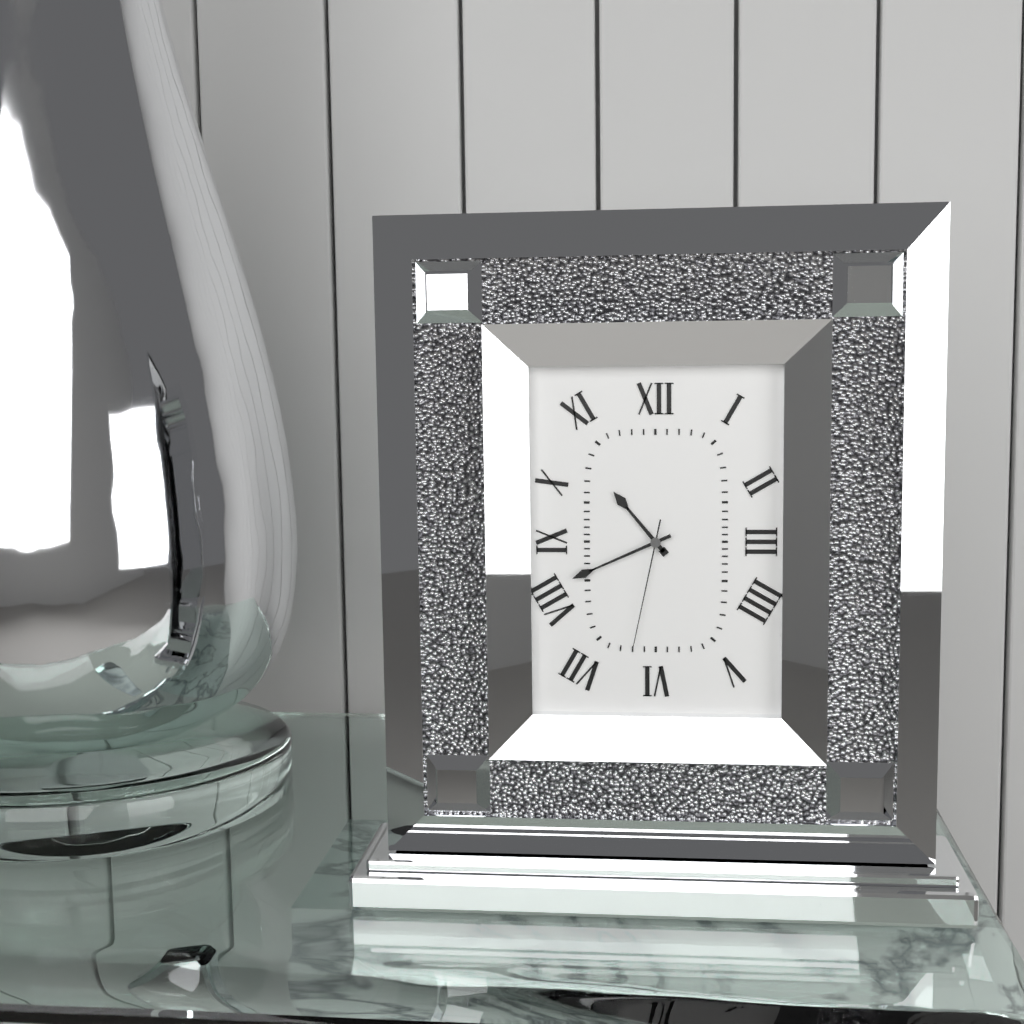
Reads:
h=10 m=41 s=32
